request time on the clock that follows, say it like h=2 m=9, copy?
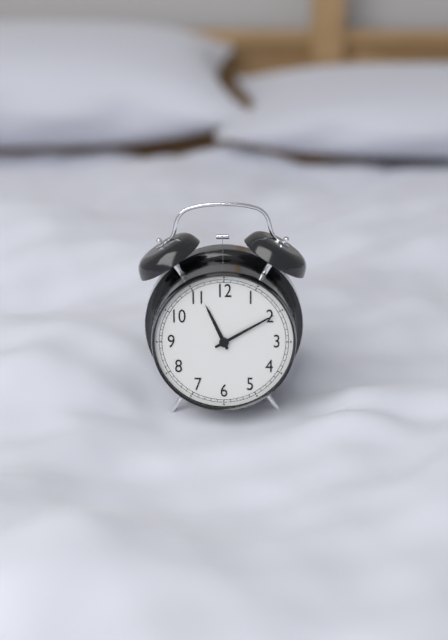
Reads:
h=11 m=10
